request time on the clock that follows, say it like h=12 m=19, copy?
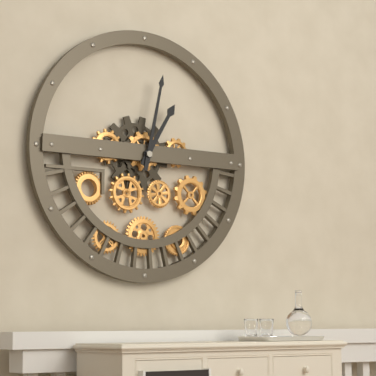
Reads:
h=1 m=2
